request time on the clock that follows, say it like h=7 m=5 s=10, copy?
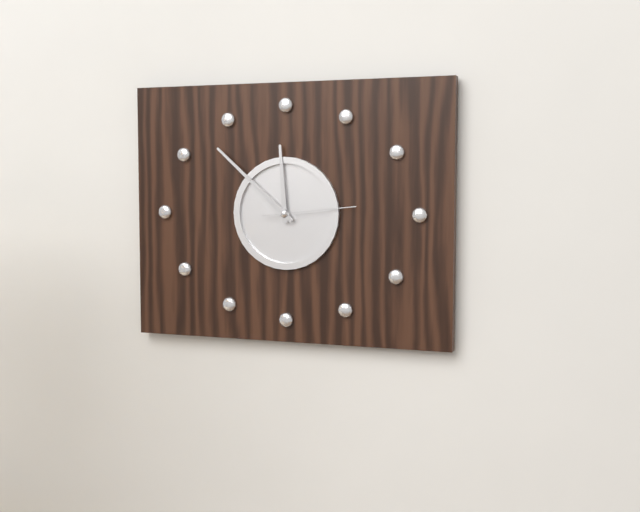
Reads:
h=11 m=52 s=14
